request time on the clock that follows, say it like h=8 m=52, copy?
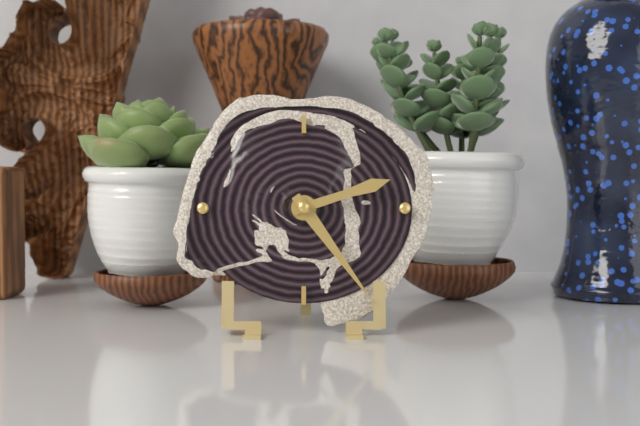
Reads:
h=2 m=24
